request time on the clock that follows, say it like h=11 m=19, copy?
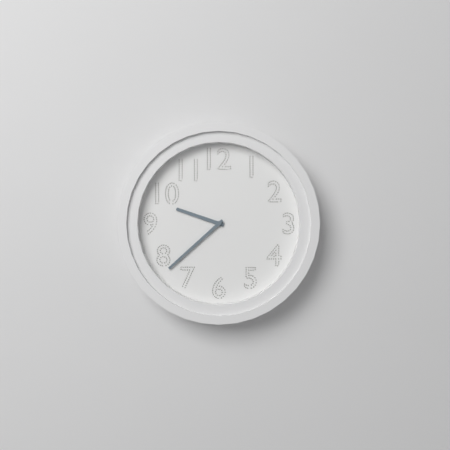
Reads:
h=9 m=38
